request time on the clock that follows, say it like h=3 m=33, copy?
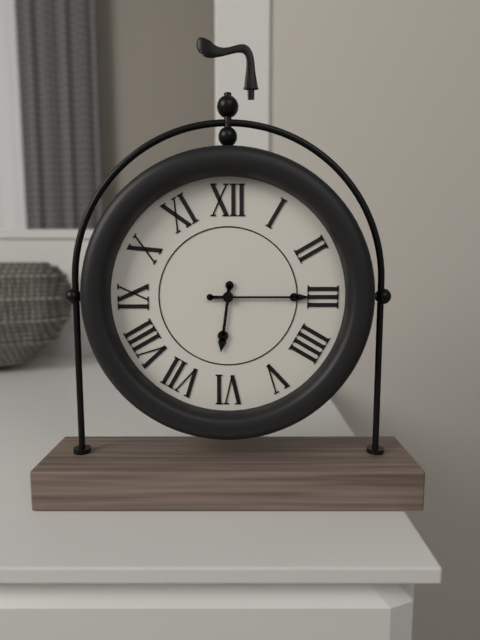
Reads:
h=6 m=15
